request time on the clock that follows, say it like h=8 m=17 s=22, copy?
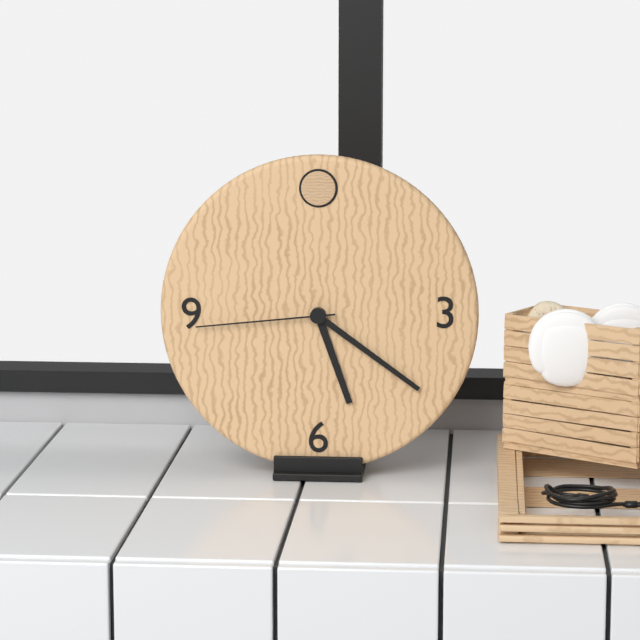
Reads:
h=5 m=21 s=44
